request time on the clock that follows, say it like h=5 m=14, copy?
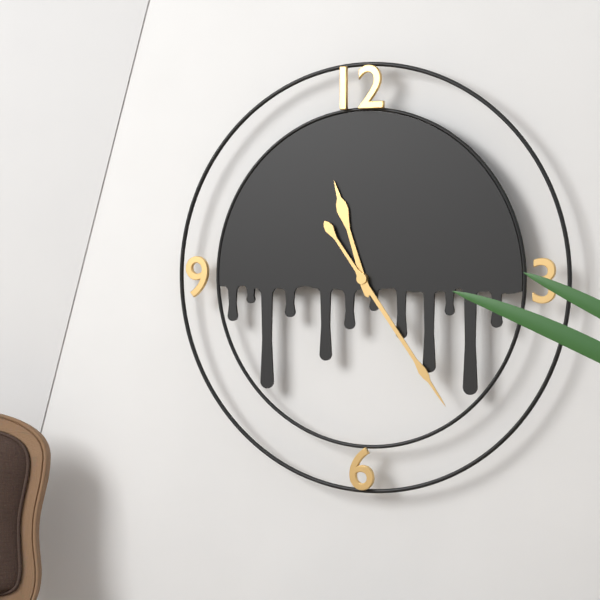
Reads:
h=11 m=24
